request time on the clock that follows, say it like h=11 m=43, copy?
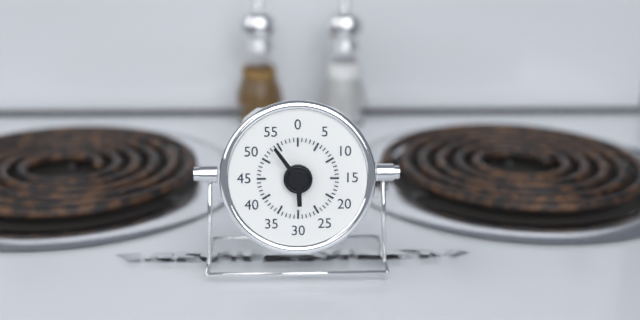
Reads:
h=5 m=54
